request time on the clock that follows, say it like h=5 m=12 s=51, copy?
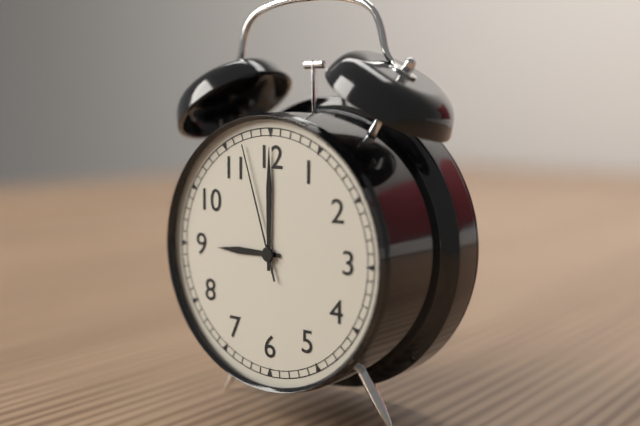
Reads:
h=9 m=0 s=57
